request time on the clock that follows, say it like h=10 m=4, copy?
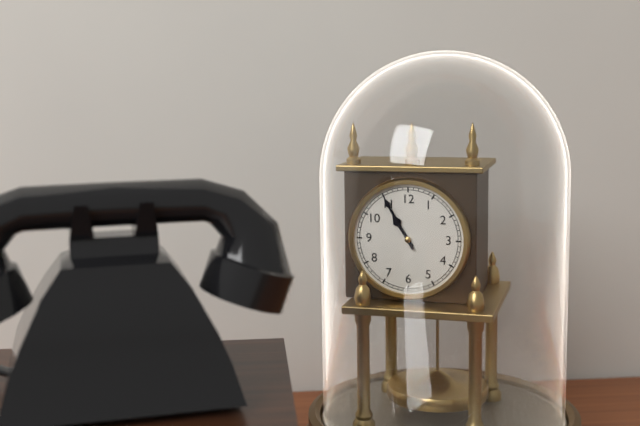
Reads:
h=10 m=55
